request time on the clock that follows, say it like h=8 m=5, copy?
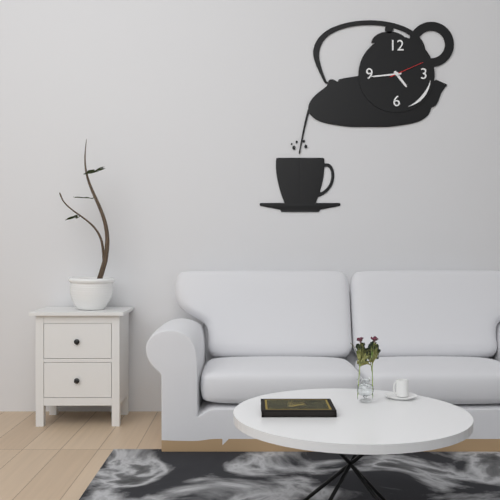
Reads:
h=4 m=44
